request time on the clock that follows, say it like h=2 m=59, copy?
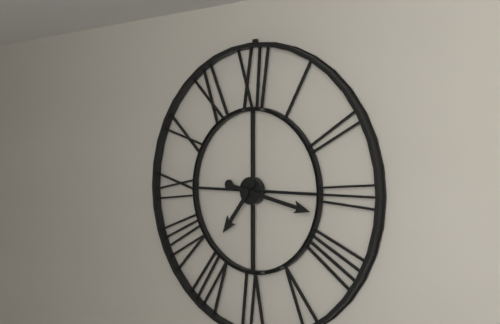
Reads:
h=7 m=17
